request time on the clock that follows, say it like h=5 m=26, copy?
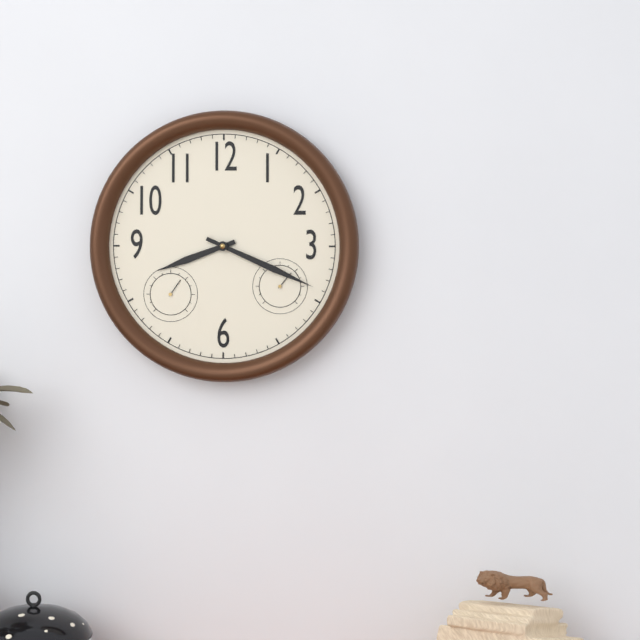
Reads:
h=8 m=19
